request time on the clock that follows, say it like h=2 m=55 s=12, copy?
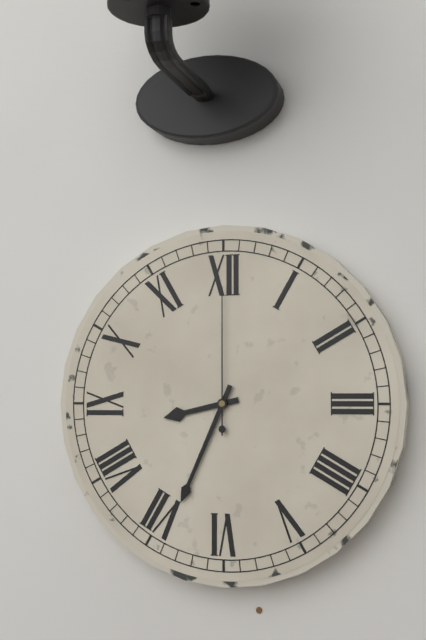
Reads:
h=8 m=34 s=0
